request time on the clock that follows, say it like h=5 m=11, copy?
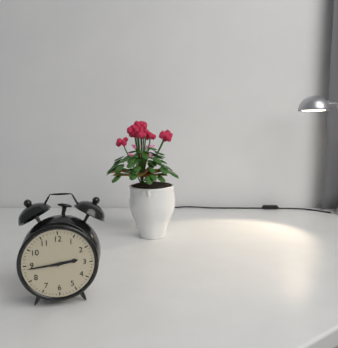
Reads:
h=2 m=44
